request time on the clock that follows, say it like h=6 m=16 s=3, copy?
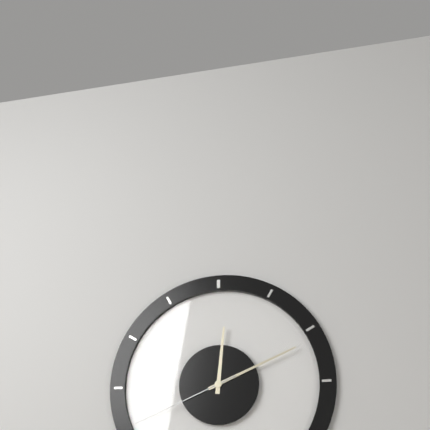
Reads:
h=12 m=11 s=41
